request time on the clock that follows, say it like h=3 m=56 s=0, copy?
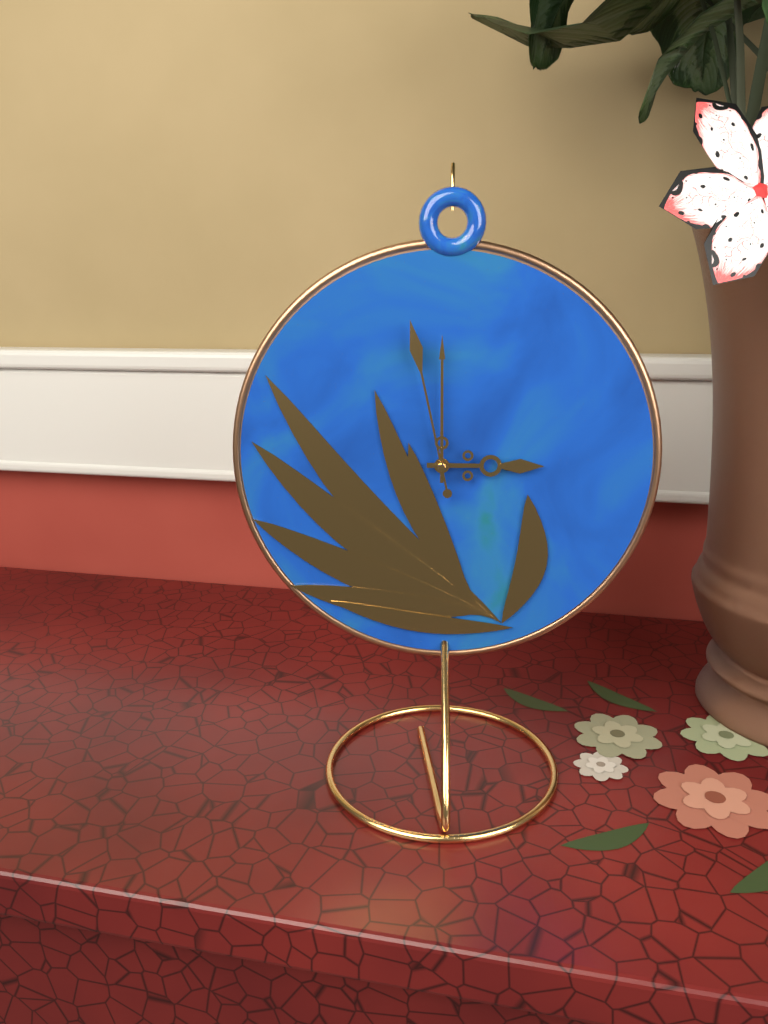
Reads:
h=3 m=0 s=58
